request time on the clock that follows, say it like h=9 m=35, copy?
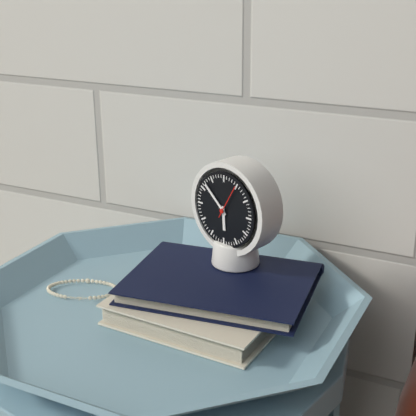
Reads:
h=5 m=52
